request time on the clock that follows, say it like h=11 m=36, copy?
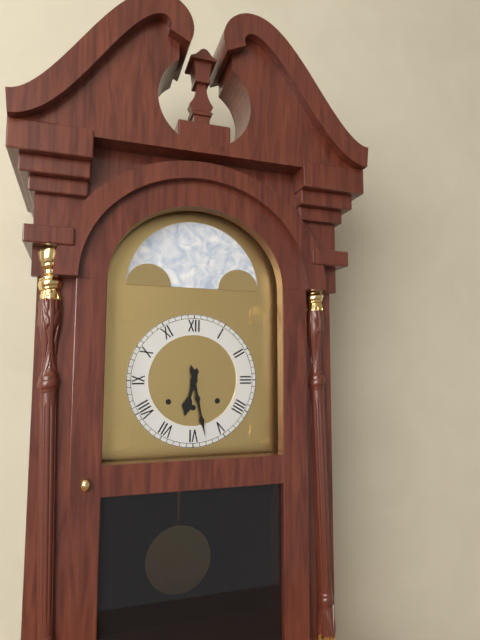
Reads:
h=6 m=28
